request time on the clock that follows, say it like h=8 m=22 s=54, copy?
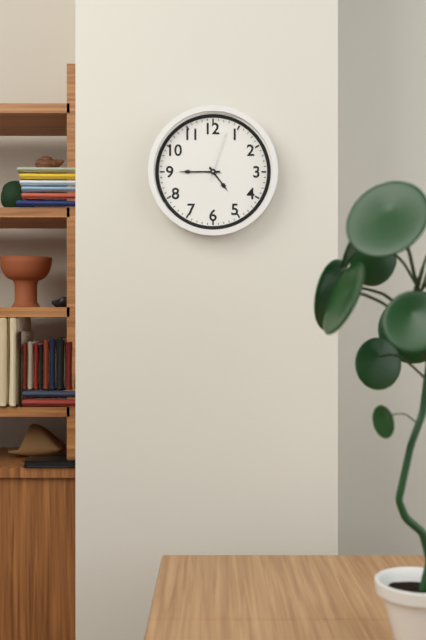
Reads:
h=4 m=45 s=3
